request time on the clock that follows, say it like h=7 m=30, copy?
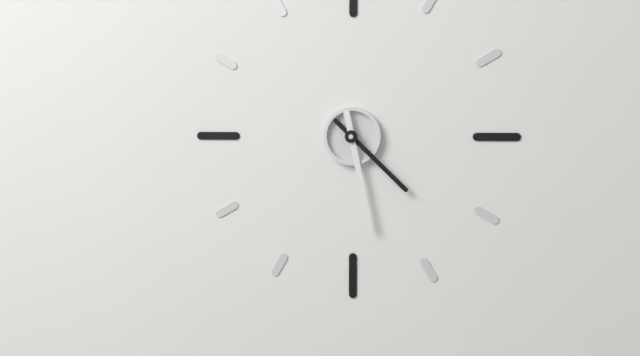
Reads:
h=4 m=28
